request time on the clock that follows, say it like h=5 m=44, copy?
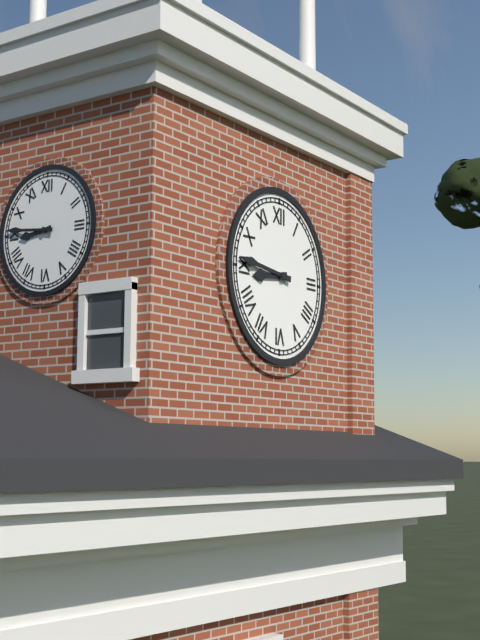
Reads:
h=8 m=46
